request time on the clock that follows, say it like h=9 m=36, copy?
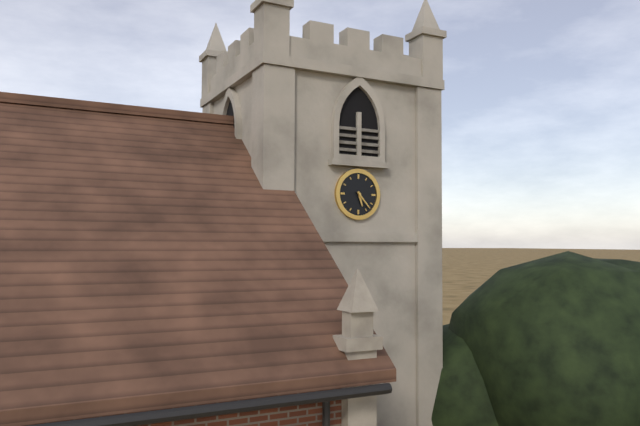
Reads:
h=5 m=23
